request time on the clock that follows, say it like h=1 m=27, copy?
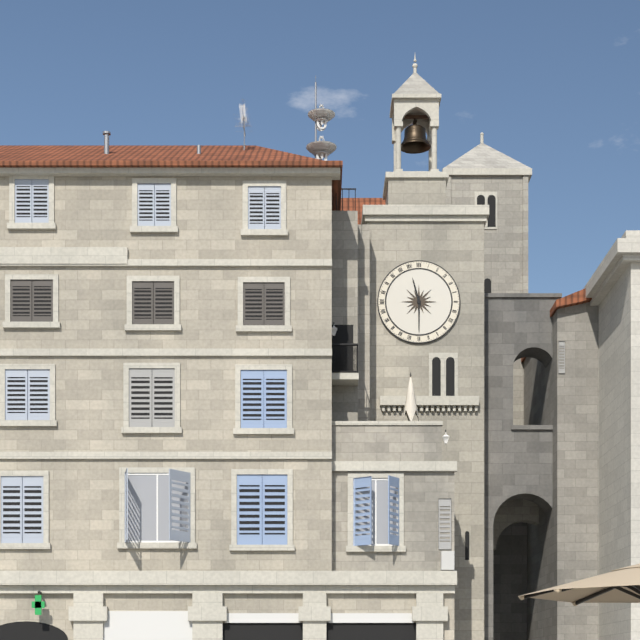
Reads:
h=11 m=30
